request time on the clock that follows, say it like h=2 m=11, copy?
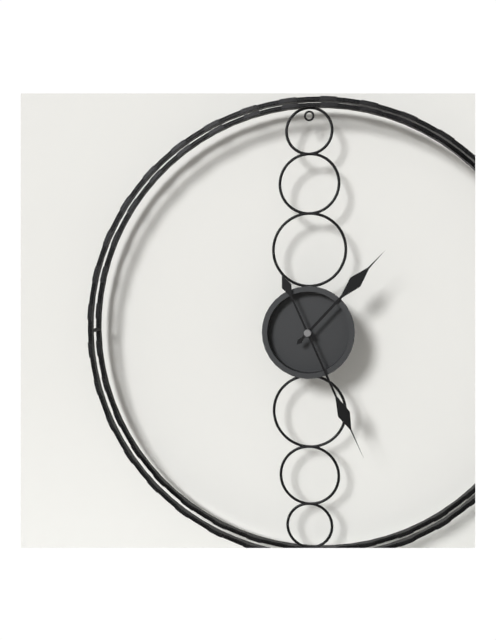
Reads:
h=1 m=26
